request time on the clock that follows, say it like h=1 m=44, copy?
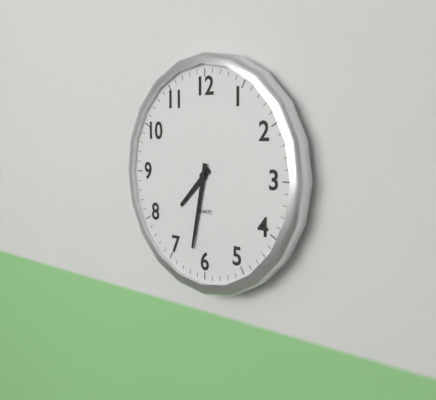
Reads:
h=7 m=32
